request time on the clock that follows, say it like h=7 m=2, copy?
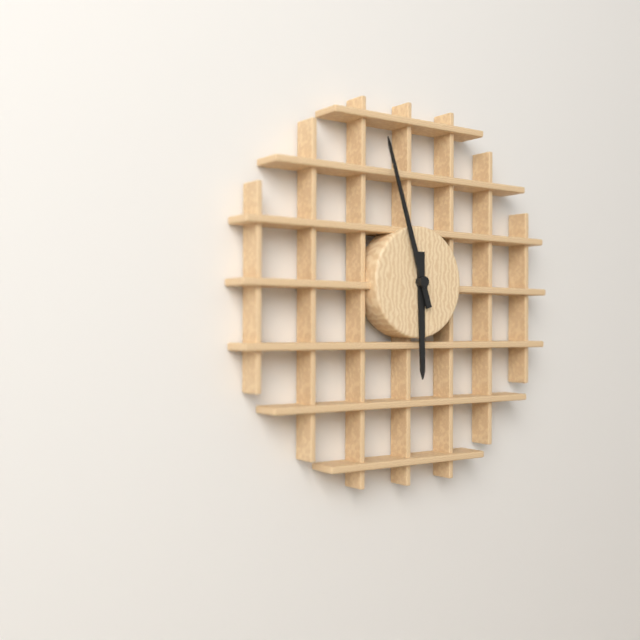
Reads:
h=5 m=57
